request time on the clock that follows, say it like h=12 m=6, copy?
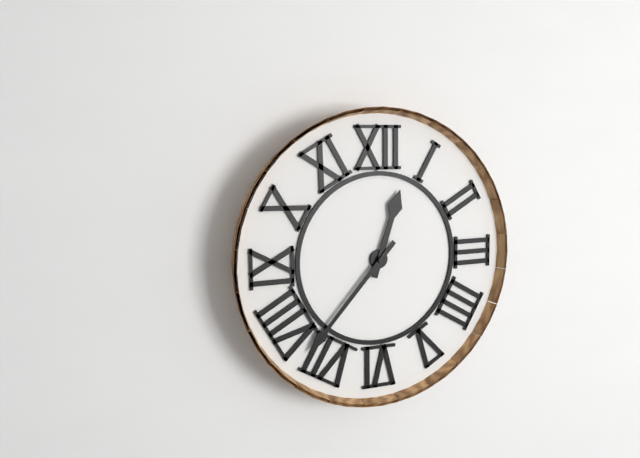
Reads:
h=12 m=37
